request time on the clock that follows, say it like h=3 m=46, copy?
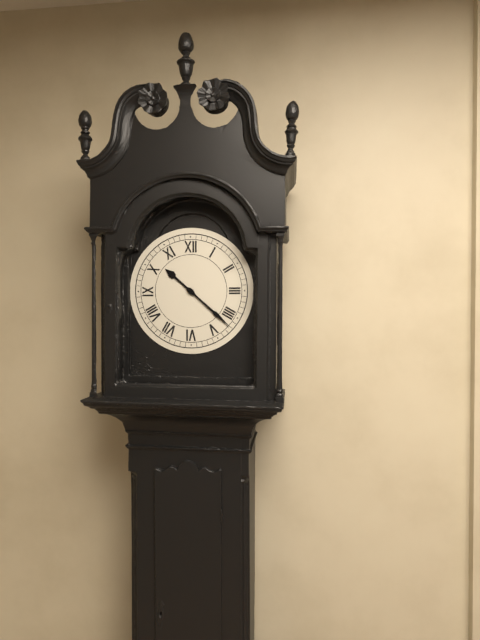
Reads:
h=10 m=22
